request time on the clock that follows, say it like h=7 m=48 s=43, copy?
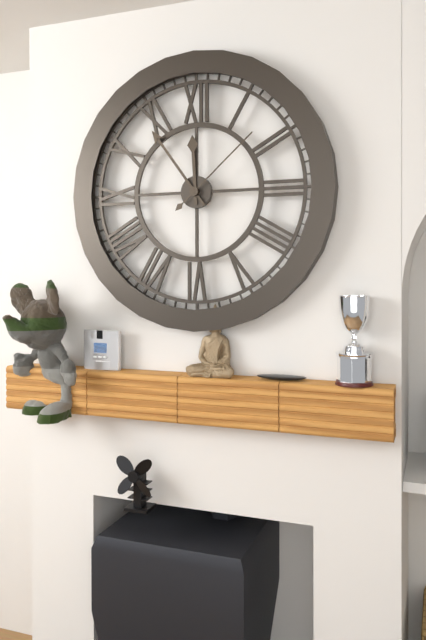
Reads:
h=11 m=54 s=8
